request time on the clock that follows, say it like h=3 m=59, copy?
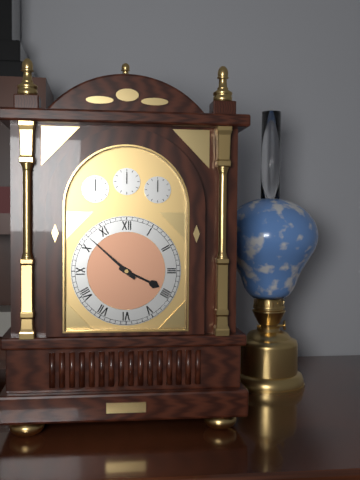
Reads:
h=3 m=52
